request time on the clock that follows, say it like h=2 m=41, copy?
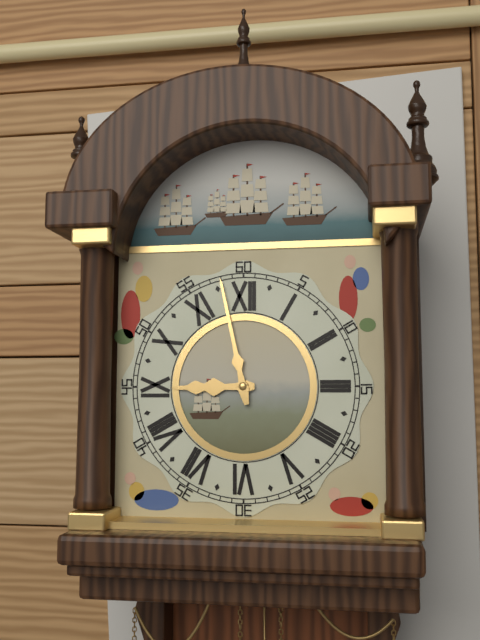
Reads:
h=8 m=58
